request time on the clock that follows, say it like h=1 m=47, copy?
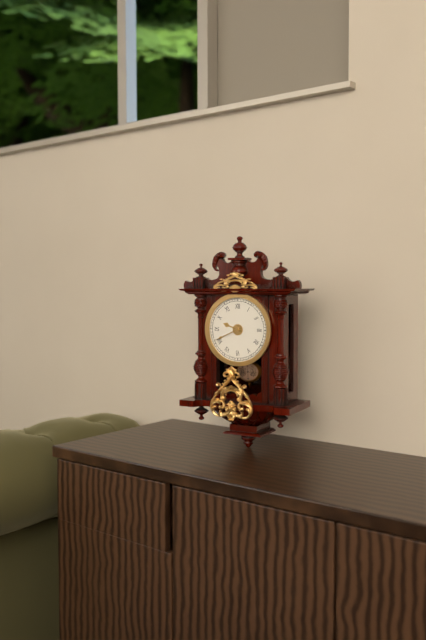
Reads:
h=9 m=41
